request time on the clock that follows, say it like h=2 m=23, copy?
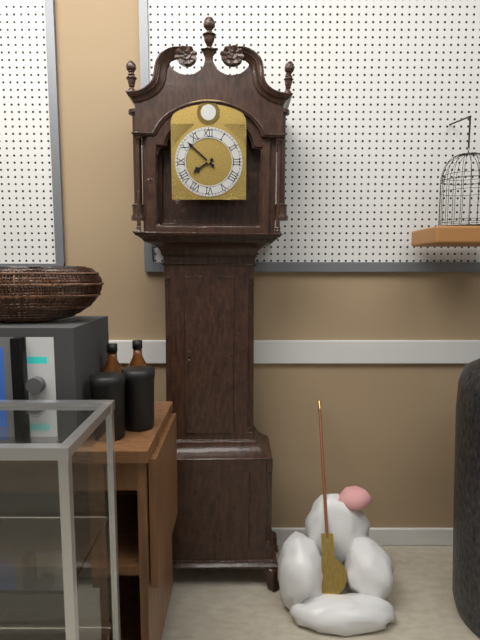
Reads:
h=7 m=52
